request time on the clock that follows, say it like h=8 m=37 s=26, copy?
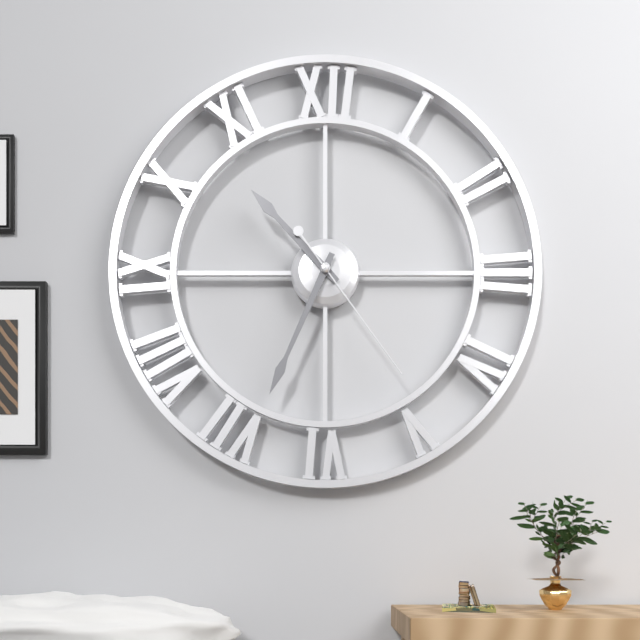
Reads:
h=10 m=34 s=24
